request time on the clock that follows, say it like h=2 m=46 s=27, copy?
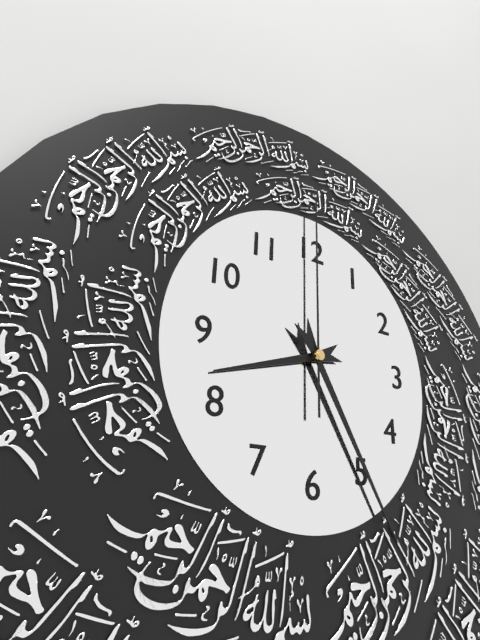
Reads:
h=8 m=25 s=0
